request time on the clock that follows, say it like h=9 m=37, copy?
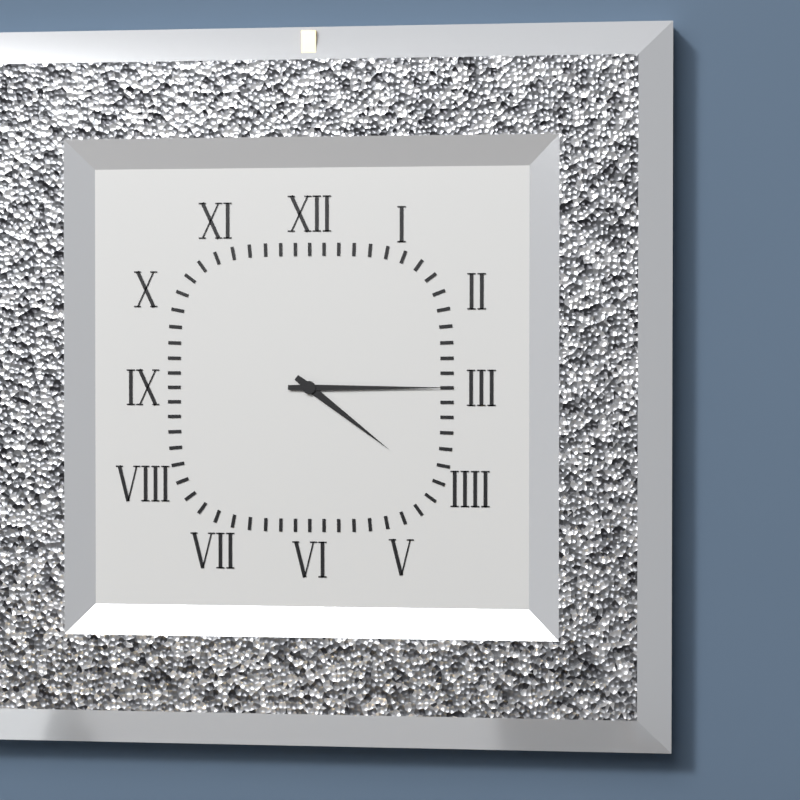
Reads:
h=4 m=15
